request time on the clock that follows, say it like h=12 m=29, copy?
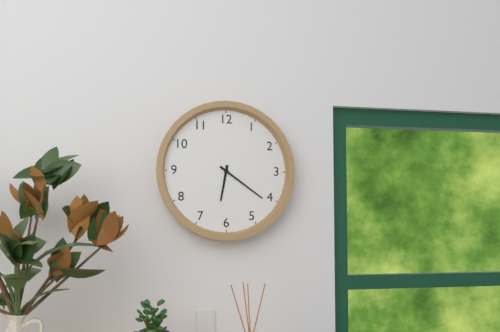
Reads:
h=6 m=21
